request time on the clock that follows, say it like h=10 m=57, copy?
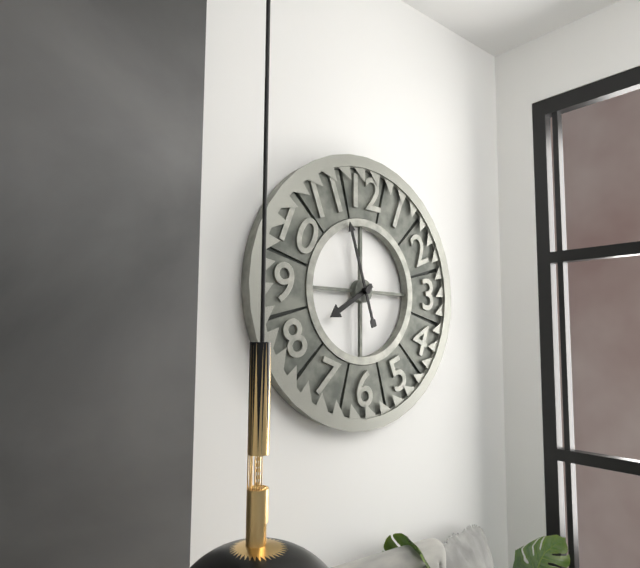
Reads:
h=7 m=57
